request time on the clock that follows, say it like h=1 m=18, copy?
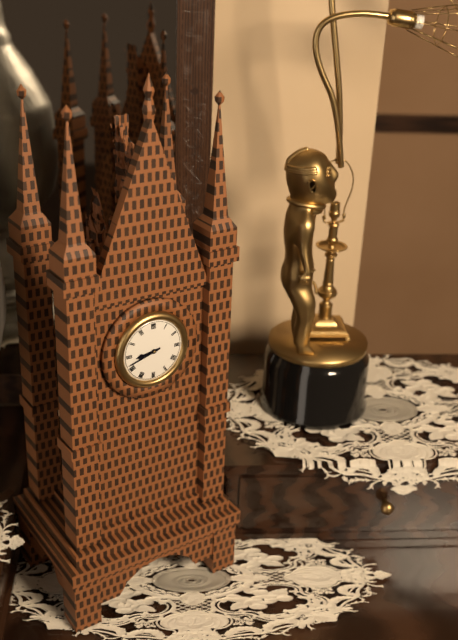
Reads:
h=8 m=42
